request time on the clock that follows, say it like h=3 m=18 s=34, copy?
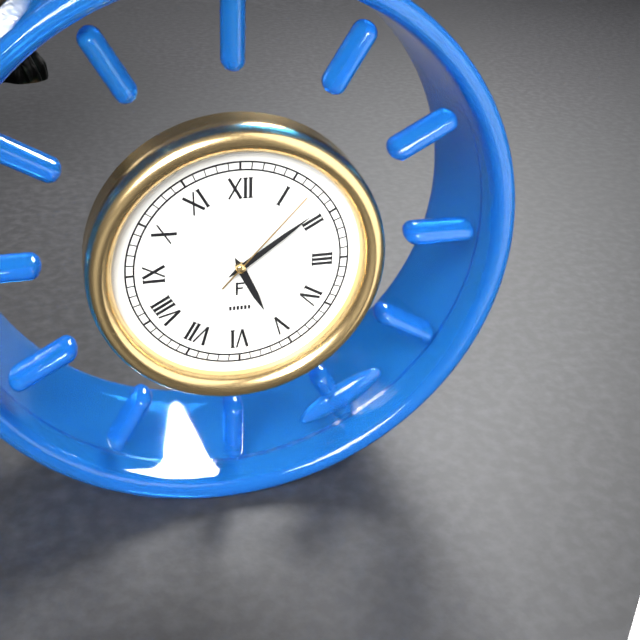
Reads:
h=5 m=9 s=7
